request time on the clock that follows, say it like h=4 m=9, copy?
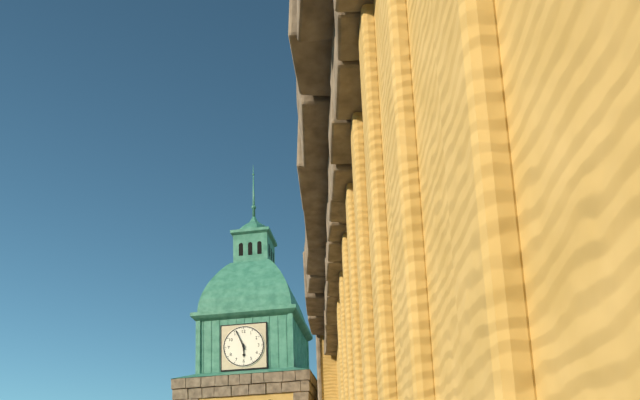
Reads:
h=5 m=56
